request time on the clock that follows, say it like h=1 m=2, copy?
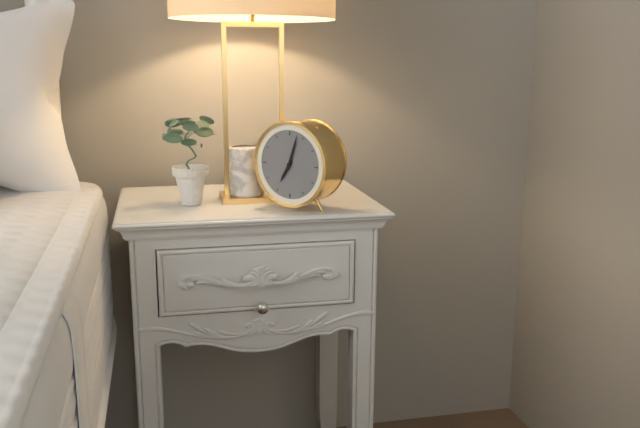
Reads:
h=7 m=3
